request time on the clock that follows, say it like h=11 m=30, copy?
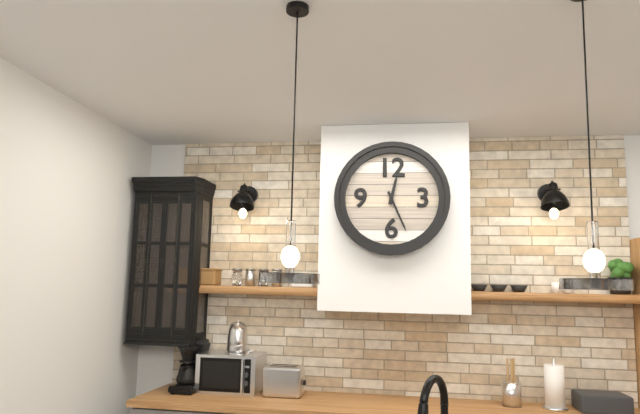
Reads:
h=12 m=26
